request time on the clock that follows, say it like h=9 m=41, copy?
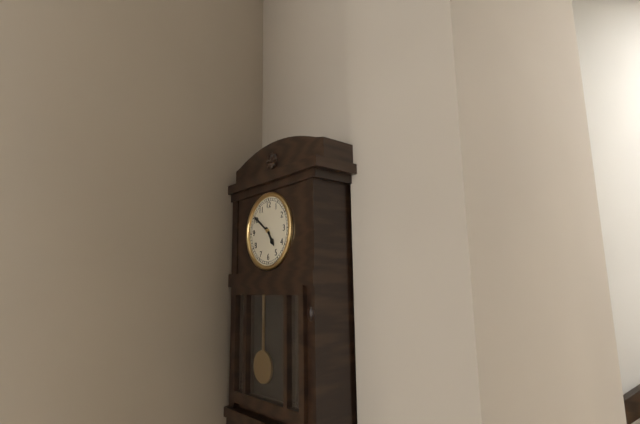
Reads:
h=4 m=51
